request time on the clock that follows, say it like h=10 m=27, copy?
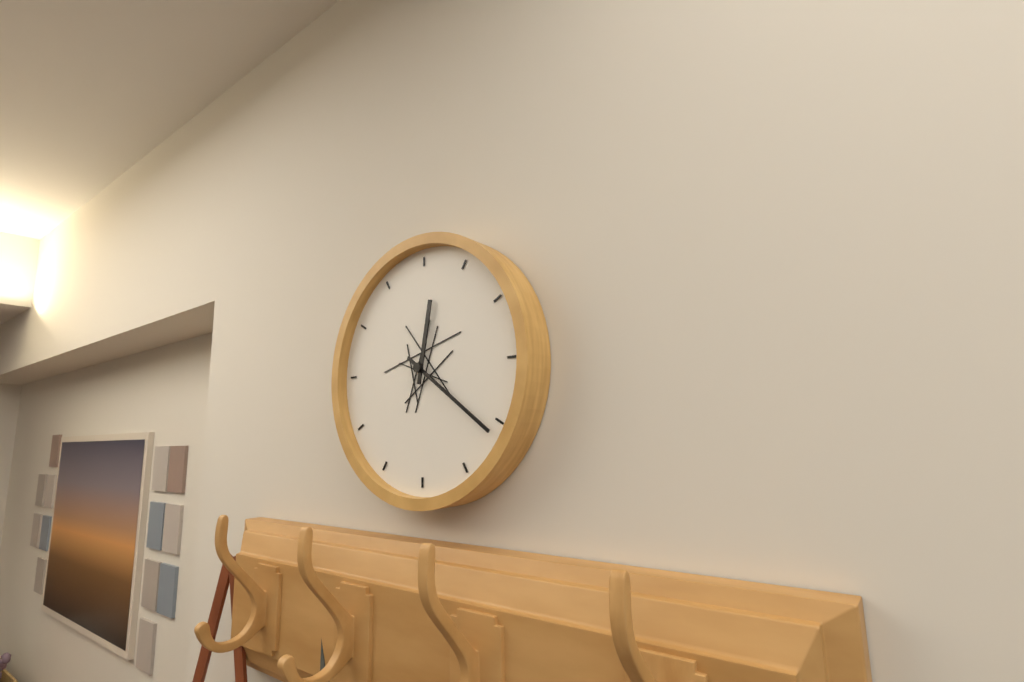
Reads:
h=12 m=21
